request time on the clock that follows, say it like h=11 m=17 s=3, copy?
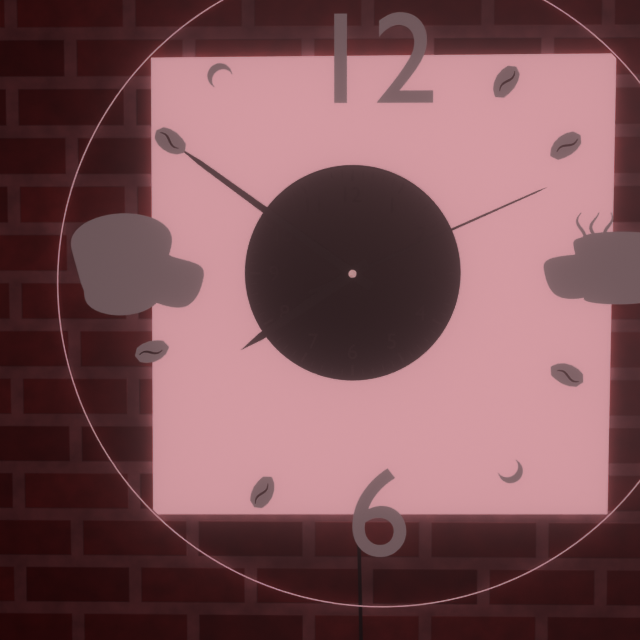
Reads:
h=7 m=51 s=11
